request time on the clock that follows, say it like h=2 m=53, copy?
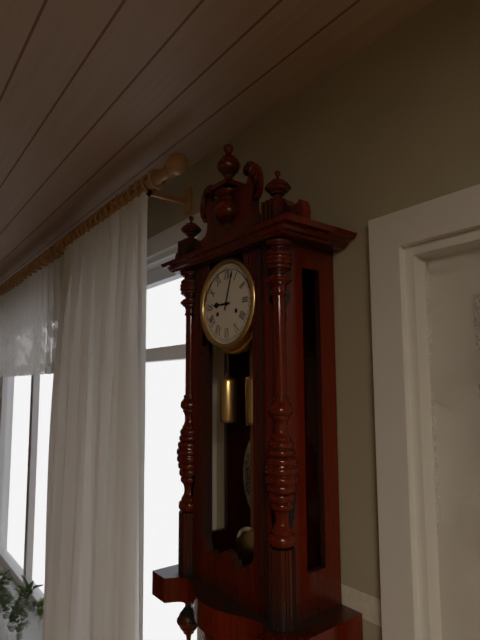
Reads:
h=9 m=3
